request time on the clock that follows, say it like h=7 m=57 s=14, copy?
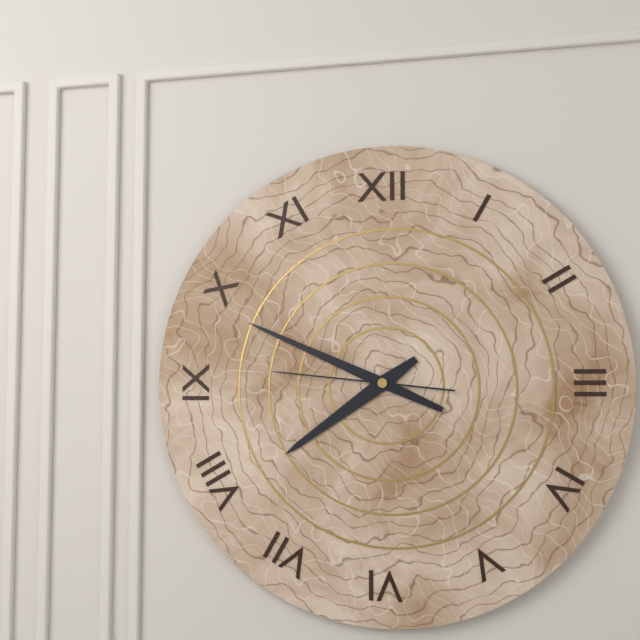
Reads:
h=7 m=49 s=46
